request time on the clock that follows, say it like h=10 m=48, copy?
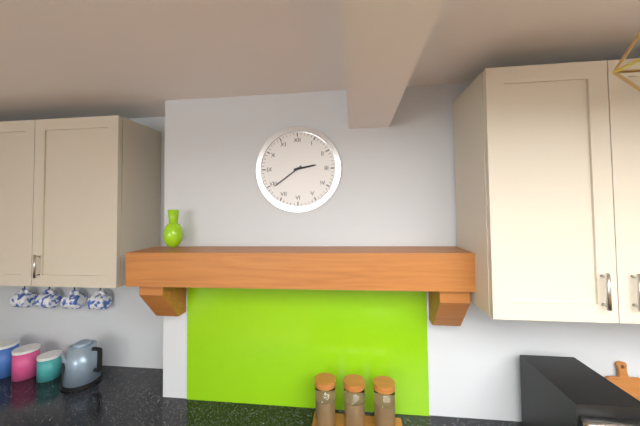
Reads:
h=2 m=39
